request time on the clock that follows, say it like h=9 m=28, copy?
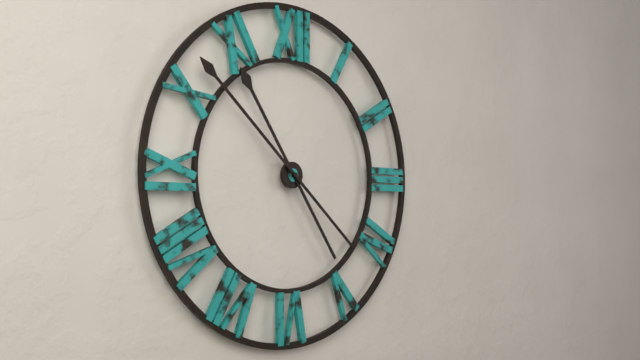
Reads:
h=10 m=52
